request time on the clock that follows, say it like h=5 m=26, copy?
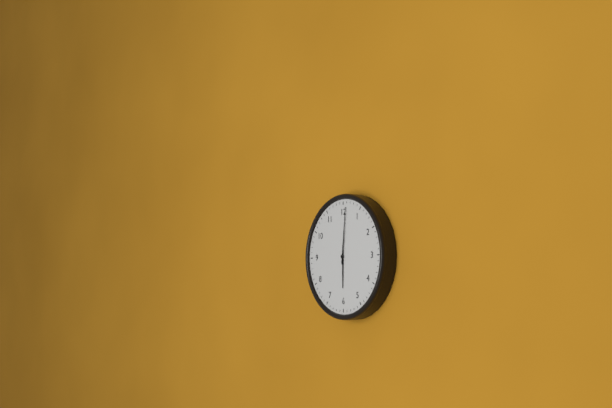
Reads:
h=6 m=1
